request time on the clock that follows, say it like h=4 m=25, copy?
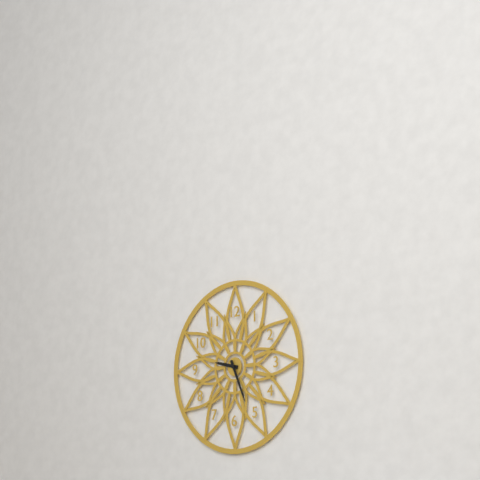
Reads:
h=9 m=26
